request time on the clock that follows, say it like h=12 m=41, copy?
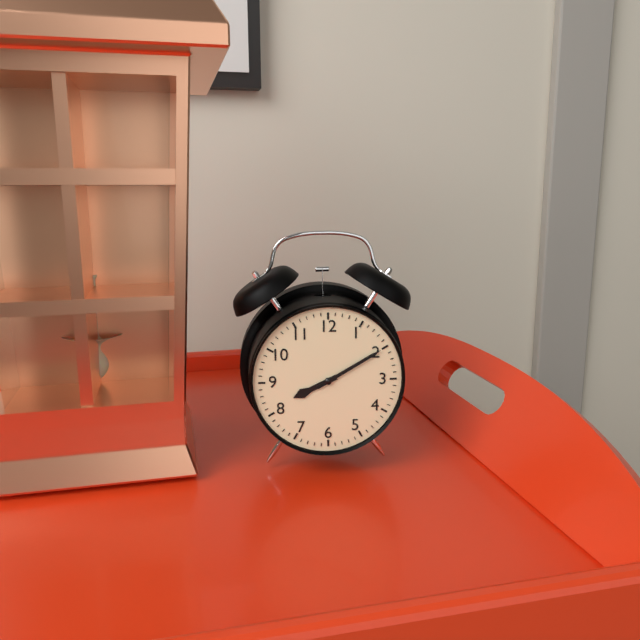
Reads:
h=8 m=10
